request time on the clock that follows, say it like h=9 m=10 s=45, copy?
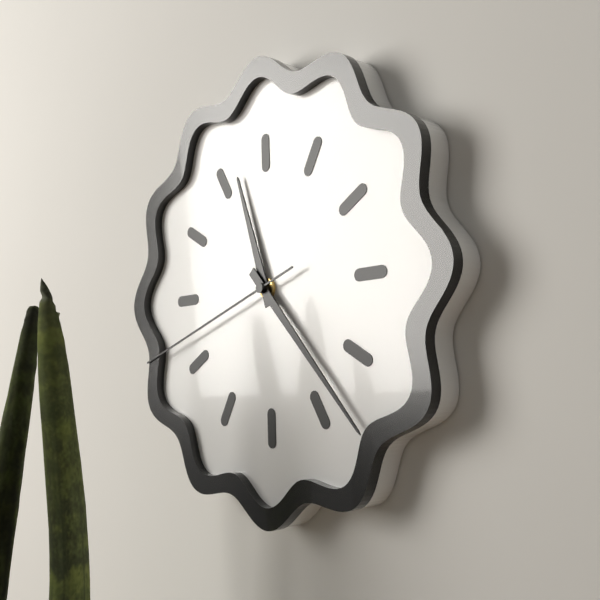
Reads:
h=11 m=23 s=42
